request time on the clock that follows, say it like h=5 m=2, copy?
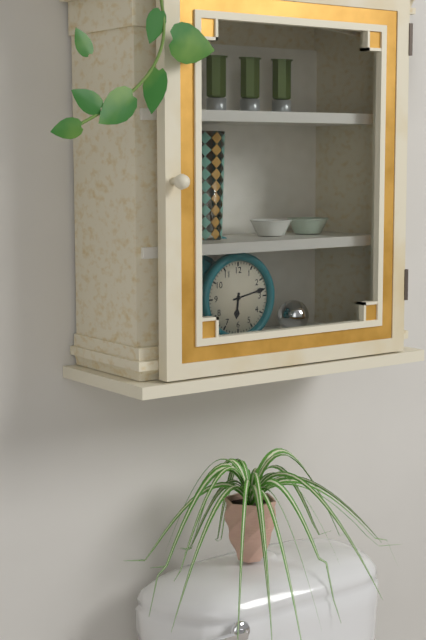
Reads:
h=6 m=13
